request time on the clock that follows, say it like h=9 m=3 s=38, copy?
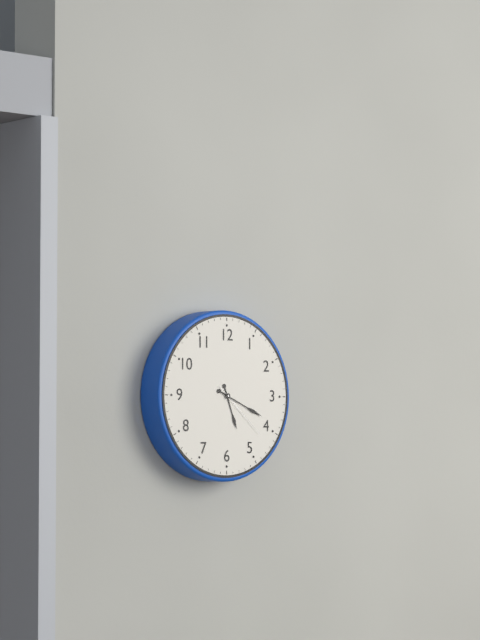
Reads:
h=5 m=19 s=22
